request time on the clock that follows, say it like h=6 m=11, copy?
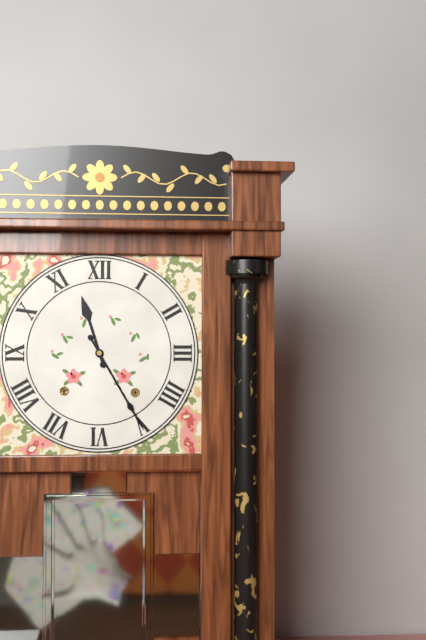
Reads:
h=11 m=25
